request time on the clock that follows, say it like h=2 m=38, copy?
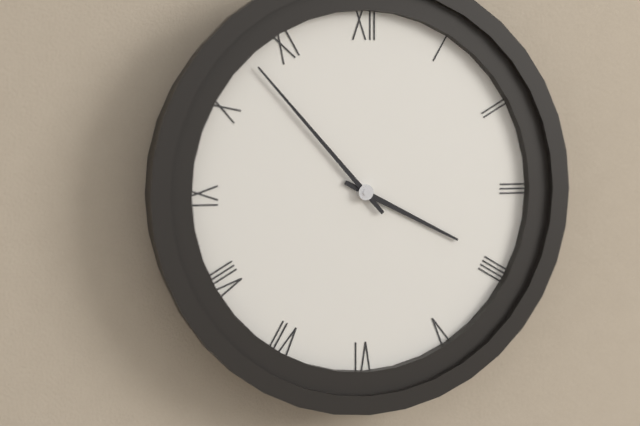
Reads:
h=3 m=53
